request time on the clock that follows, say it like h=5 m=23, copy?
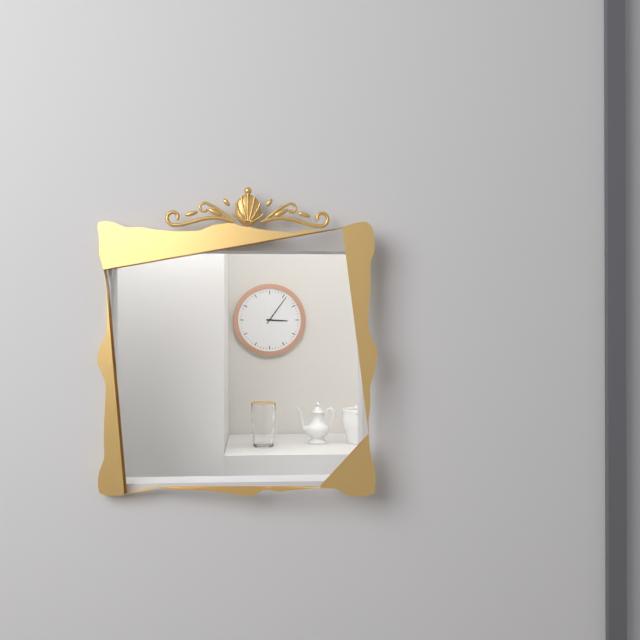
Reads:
h=3 m=6
